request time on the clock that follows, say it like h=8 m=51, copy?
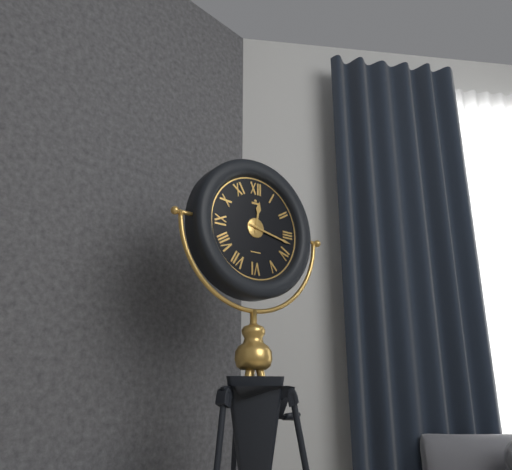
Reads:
h=12 m=17
